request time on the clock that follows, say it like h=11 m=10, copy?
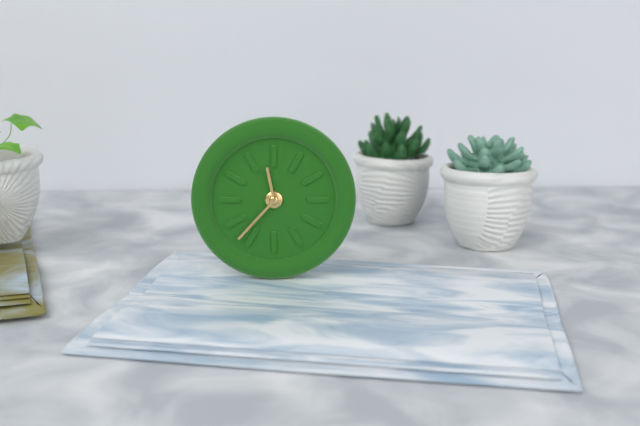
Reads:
h=11 m=37
